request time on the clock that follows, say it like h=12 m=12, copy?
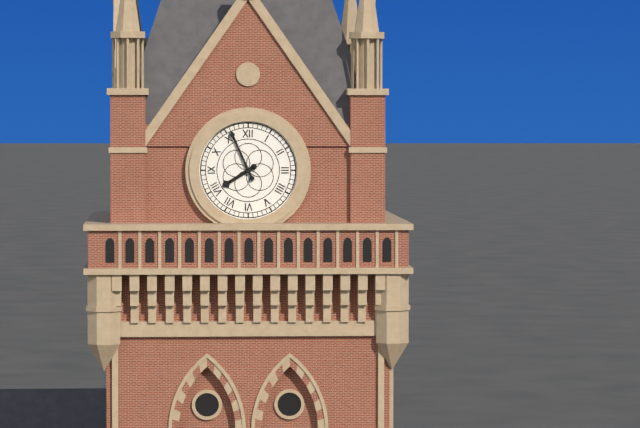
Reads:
h=7 m=56
